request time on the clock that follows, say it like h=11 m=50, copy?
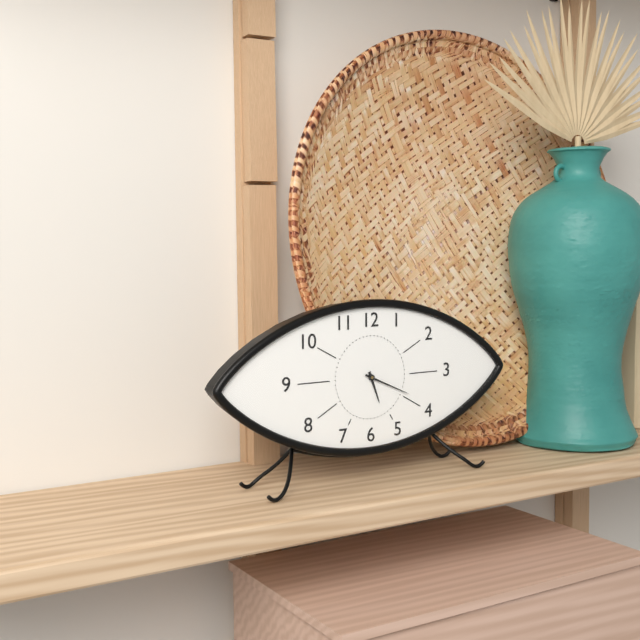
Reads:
h=5 m=19
